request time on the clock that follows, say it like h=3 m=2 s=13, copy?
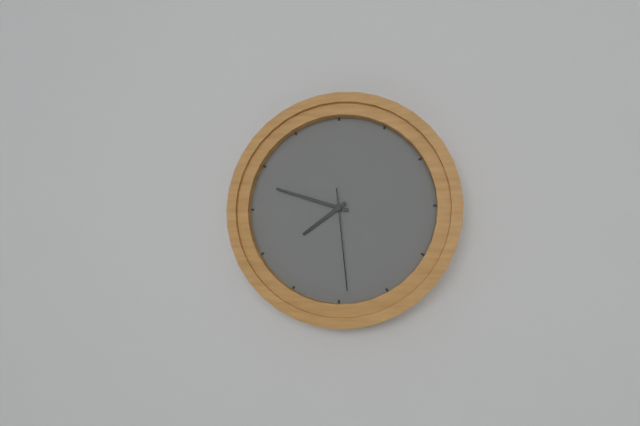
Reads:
h=7 m=48 s=29
